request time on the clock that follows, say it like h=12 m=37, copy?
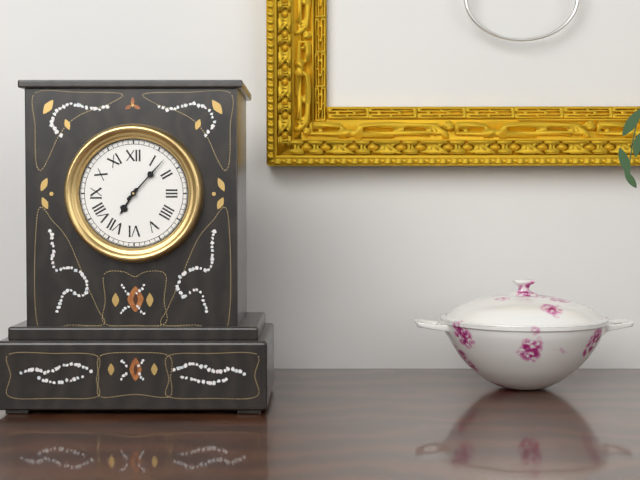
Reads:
h=7 m=7
